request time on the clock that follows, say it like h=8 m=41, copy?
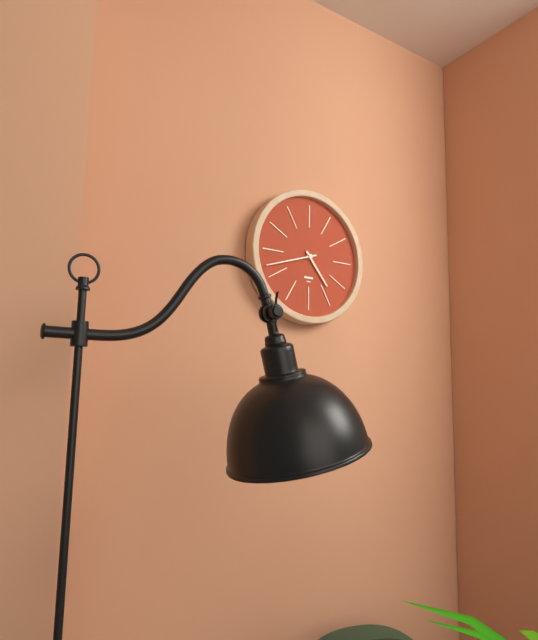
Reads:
h=4 m=42
